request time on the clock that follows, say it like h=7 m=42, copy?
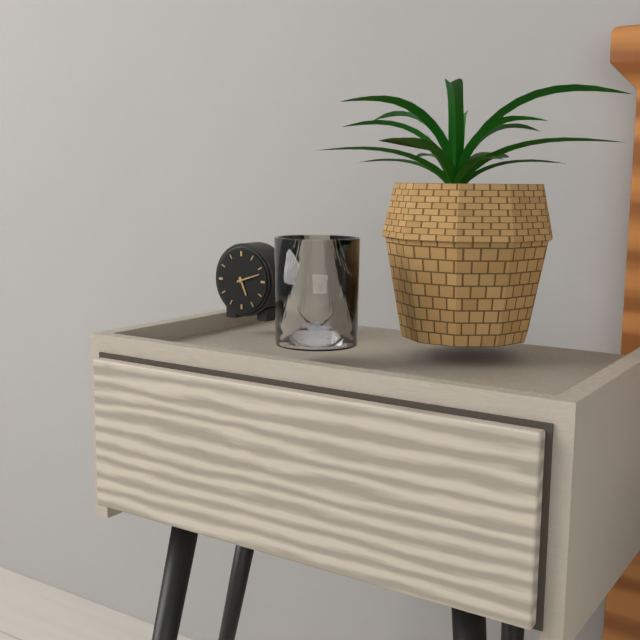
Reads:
h=5 m=12
